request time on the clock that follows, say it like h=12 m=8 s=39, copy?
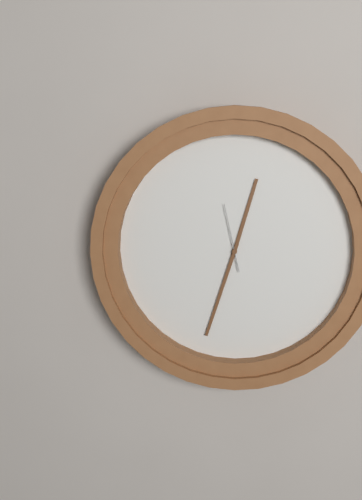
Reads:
h=12 m=33 s=58
